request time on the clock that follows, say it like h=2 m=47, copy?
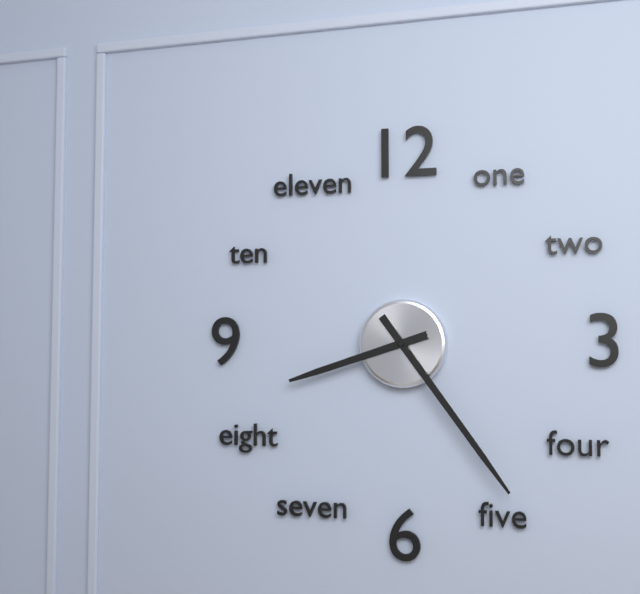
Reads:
h=8 m=24
